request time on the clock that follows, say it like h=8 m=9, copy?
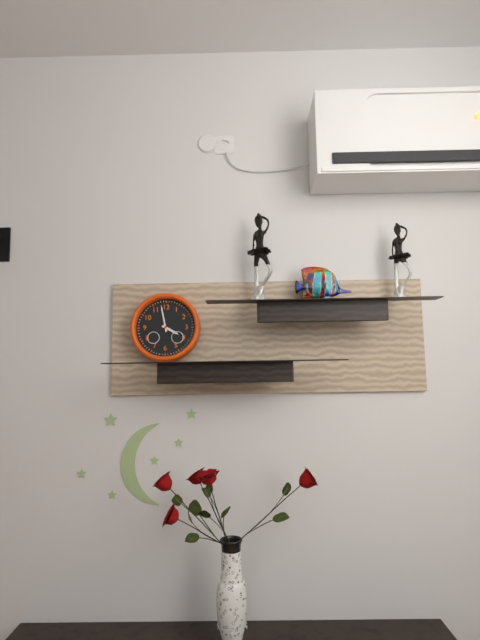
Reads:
h=3 m=58
